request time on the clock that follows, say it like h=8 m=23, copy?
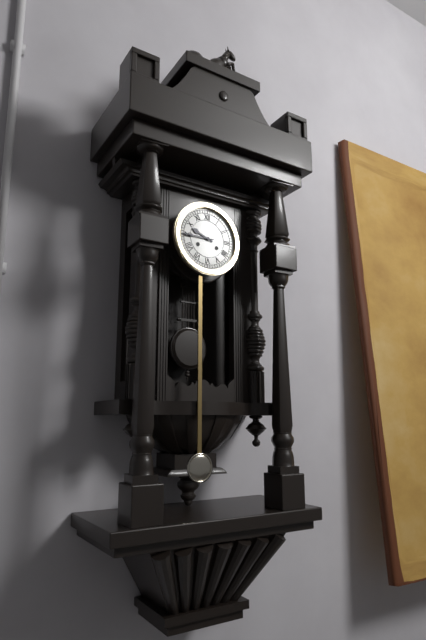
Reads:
h=9 m=45
